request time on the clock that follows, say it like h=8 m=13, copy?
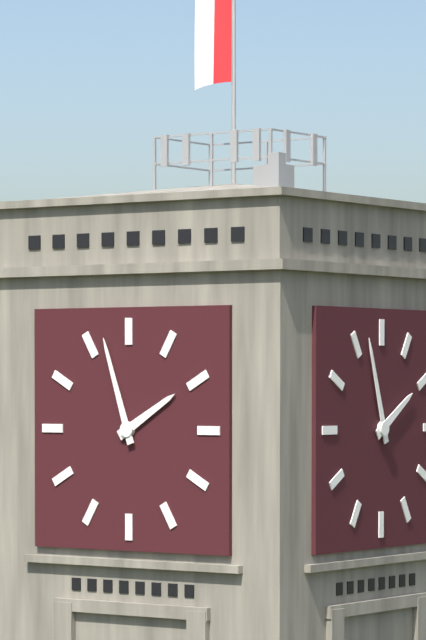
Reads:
h=1 m=57
